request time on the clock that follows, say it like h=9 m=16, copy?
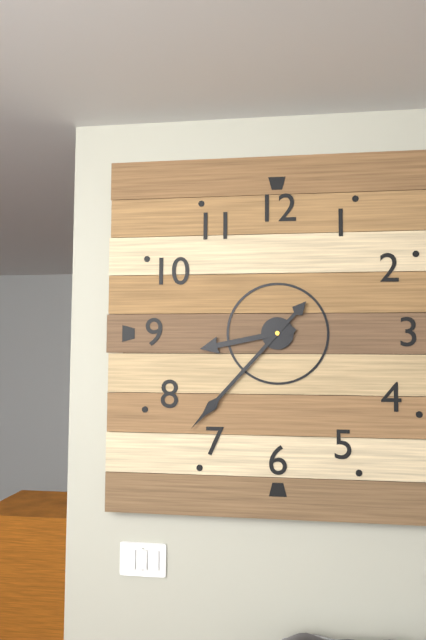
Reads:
h=8 m=37
